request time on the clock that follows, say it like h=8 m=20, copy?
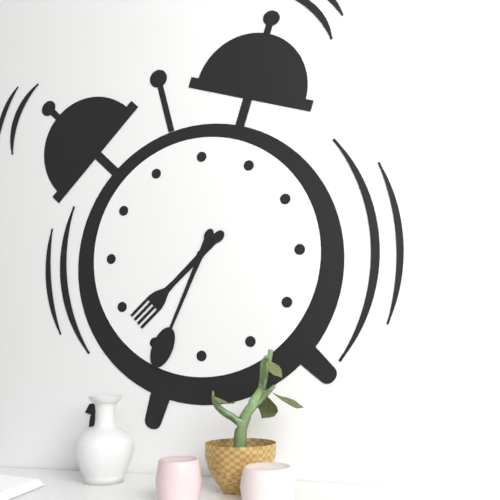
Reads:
h=7 m=34
